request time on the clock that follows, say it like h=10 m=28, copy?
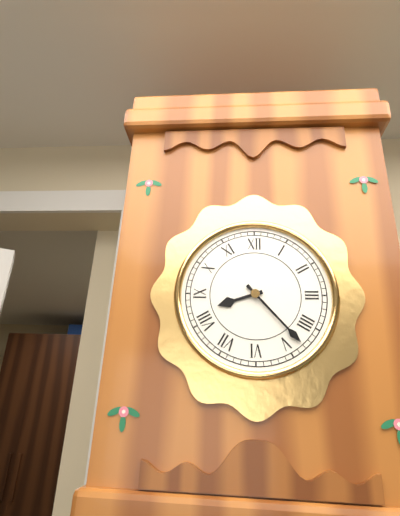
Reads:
h=8 m=23
